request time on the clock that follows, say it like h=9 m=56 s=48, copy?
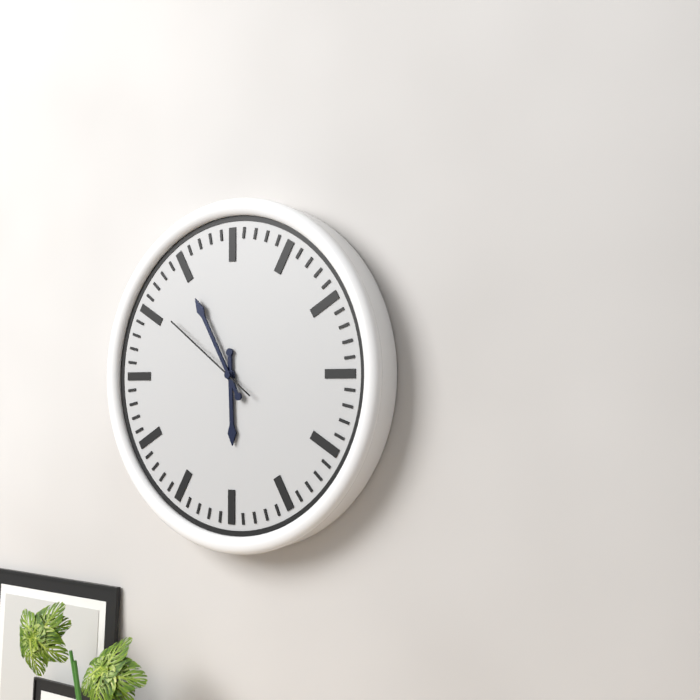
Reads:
h=5 m=55 s=51
